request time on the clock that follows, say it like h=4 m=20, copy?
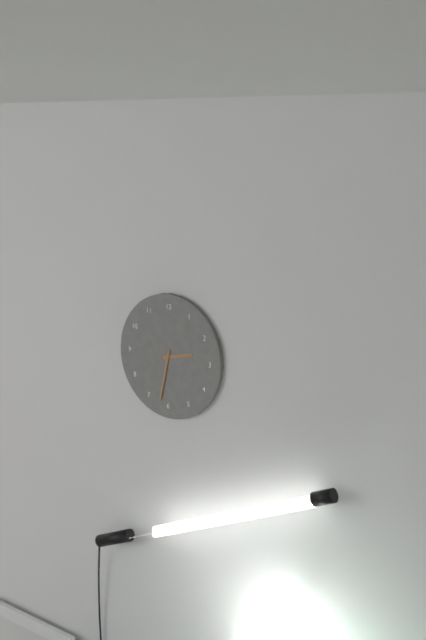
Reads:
h=2 m=32
